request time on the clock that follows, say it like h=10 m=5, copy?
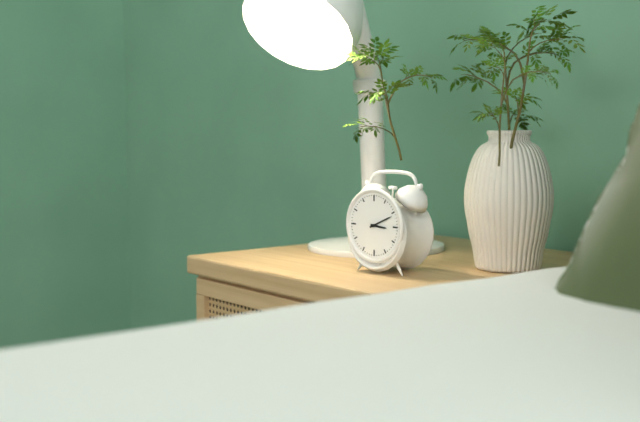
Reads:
h=3 m=11
